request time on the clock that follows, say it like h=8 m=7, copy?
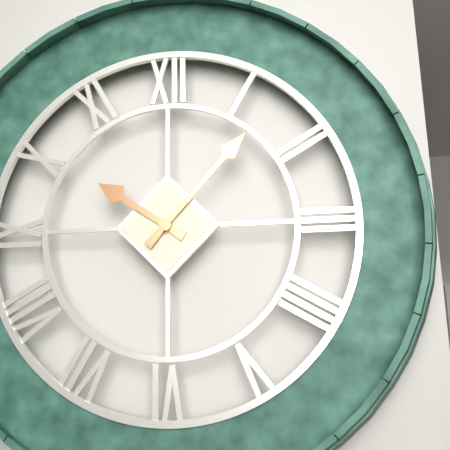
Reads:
h=10 m=7
